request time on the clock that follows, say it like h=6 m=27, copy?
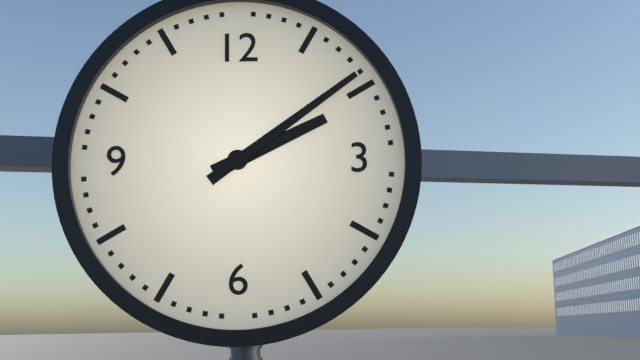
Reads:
h=2 m=9
